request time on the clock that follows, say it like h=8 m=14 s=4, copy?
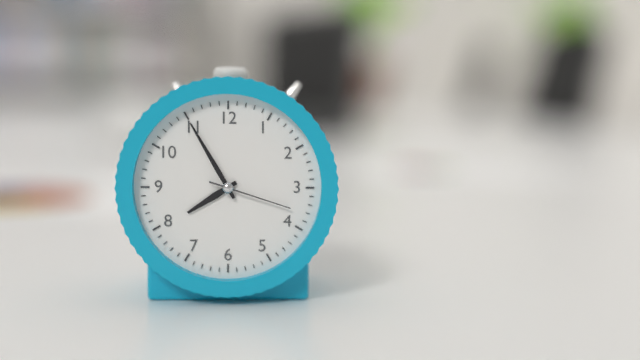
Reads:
h=7 m=55 s=18
